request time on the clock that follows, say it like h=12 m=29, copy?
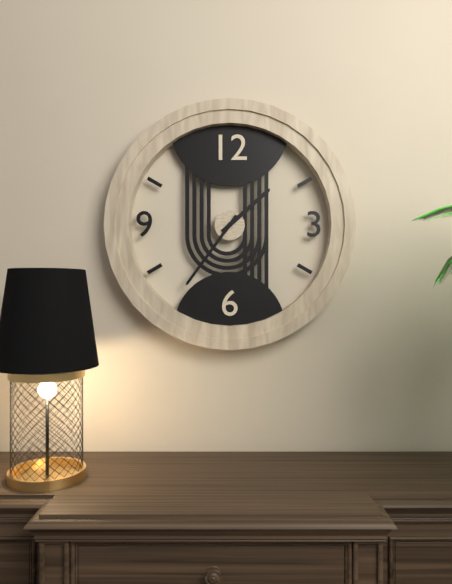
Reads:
h=1 m=36
